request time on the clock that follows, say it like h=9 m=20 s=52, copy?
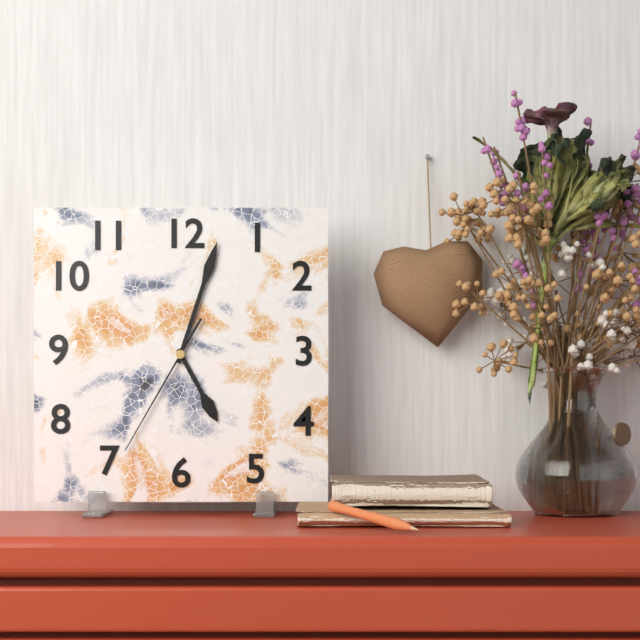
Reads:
h=5 m=3 s=35
